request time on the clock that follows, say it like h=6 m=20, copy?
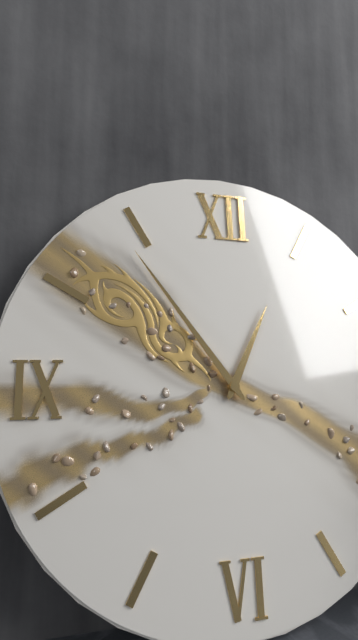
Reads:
h=12 m=54
